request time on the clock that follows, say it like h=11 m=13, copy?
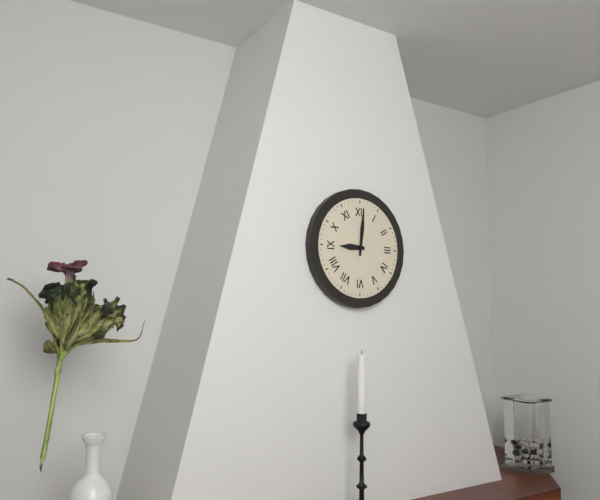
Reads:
h=9 m=1
